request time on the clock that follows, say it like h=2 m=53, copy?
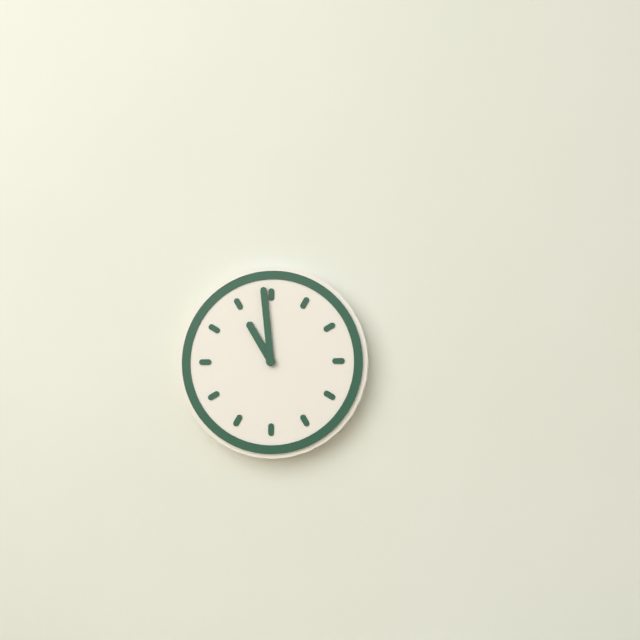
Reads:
h=10 m=59
